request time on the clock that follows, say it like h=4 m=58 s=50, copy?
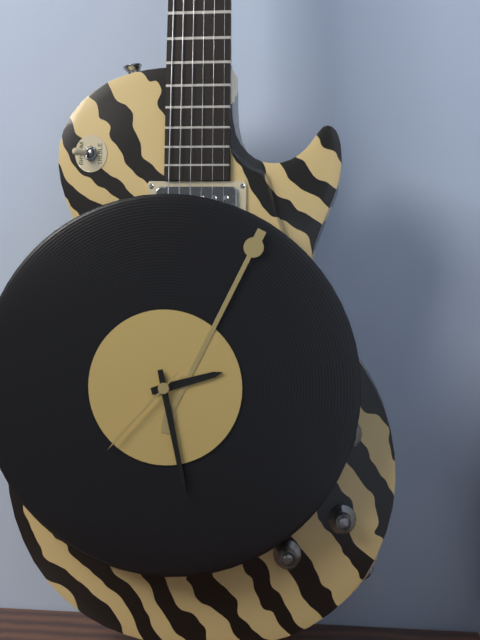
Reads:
h=2 m=28 s=37
